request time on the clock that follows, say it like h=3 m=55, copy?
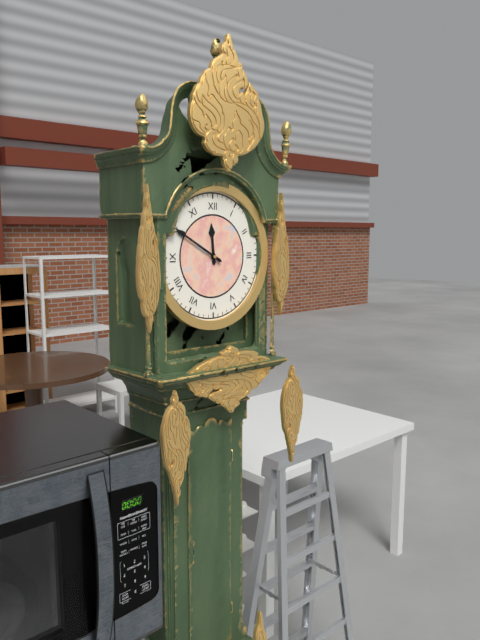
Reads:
h=11 m=50
